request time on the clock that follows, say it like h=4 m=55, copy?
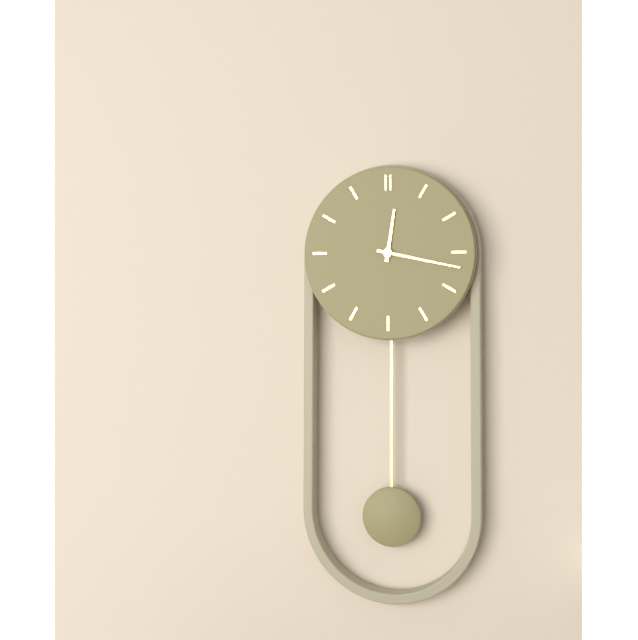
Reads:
h=12 m=17
